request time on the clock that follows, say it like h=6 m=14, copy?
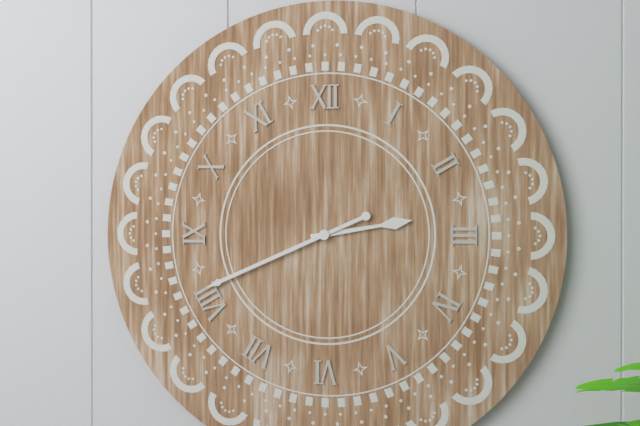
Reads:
h=2 m=41
